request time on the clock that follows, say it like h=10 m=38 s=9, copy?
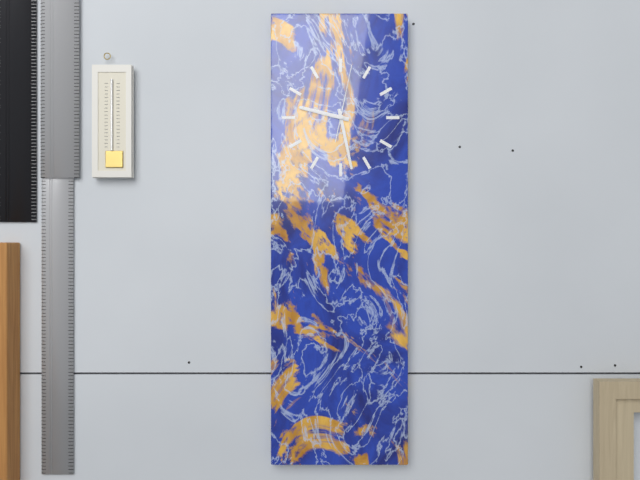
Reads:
h=9 m=28 s=2
